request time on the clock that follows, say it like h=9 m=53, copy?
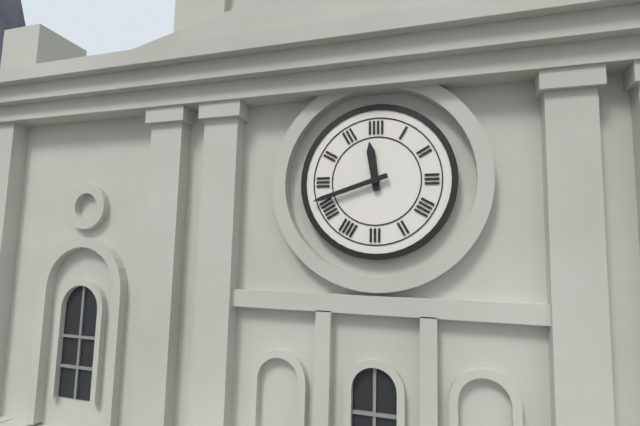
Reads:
h=11 m=42
